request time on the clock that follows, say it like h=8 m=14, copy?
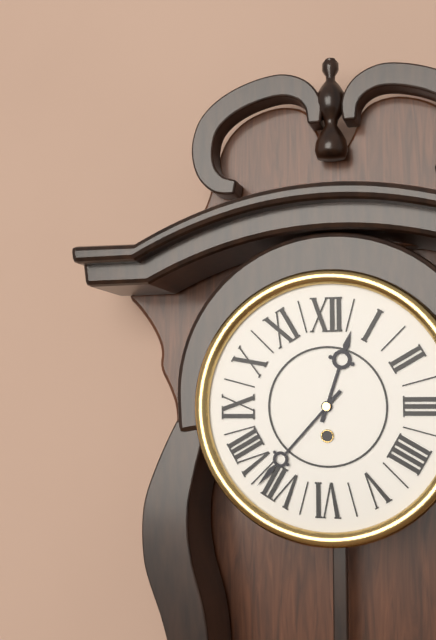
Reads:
h=12 m=37
